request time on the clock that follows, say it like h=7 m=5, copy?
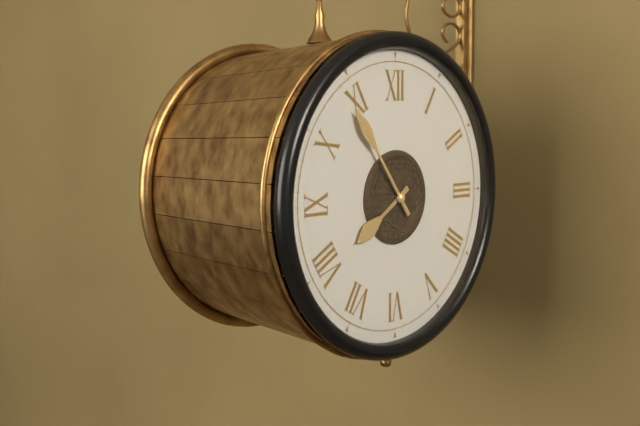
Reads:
h=7 m=54
